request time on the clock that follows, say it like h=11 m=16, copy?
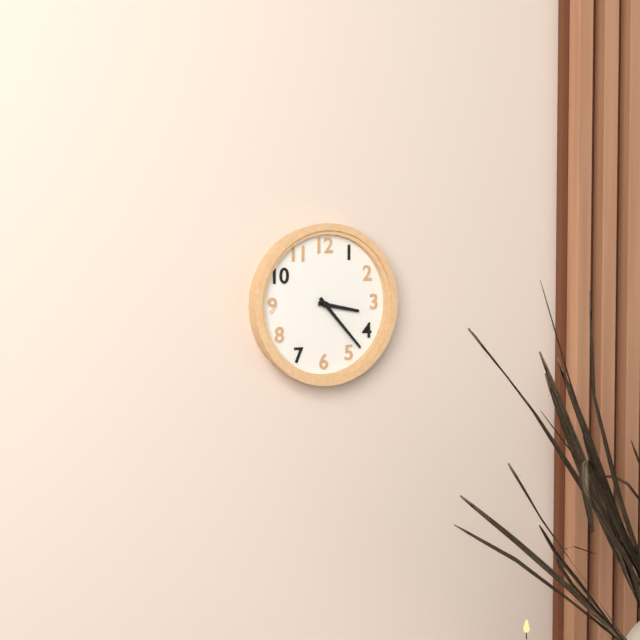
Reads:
h=3 m=23
